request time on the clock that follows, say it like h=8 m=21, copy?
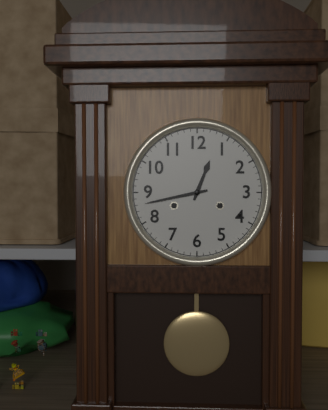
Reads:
h=12 m=43
